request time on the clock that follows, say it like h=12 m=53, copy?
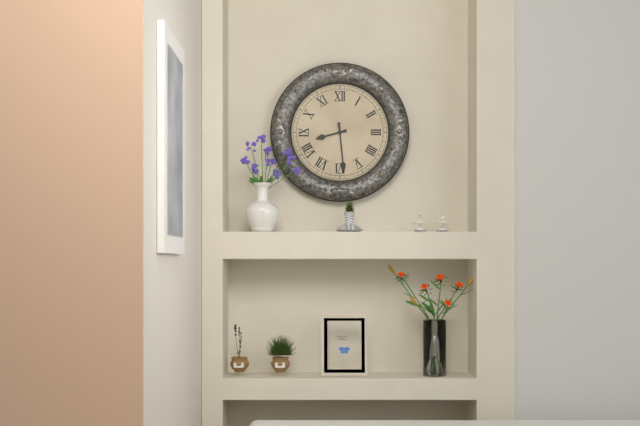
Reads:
h=8 m=29
